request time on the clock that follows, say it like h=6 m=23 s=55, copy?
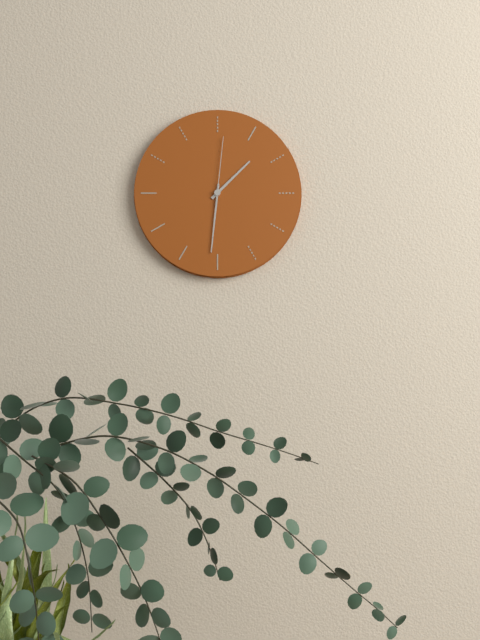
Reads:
h=1 m=31 s=1
